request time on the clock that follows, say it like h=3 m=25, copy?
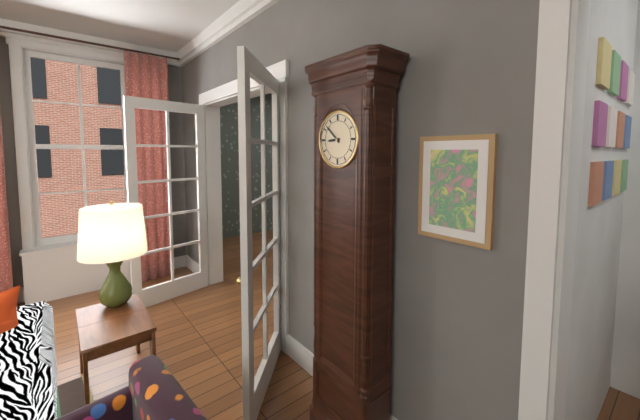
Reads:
h=8 m=52
